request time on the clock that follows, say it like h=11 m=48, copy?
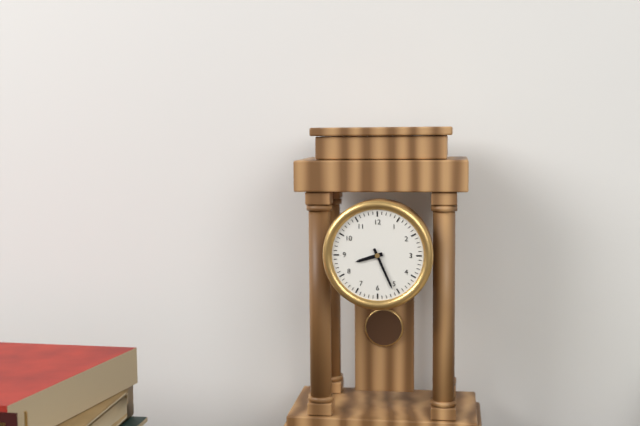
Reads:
h=8 m=26
